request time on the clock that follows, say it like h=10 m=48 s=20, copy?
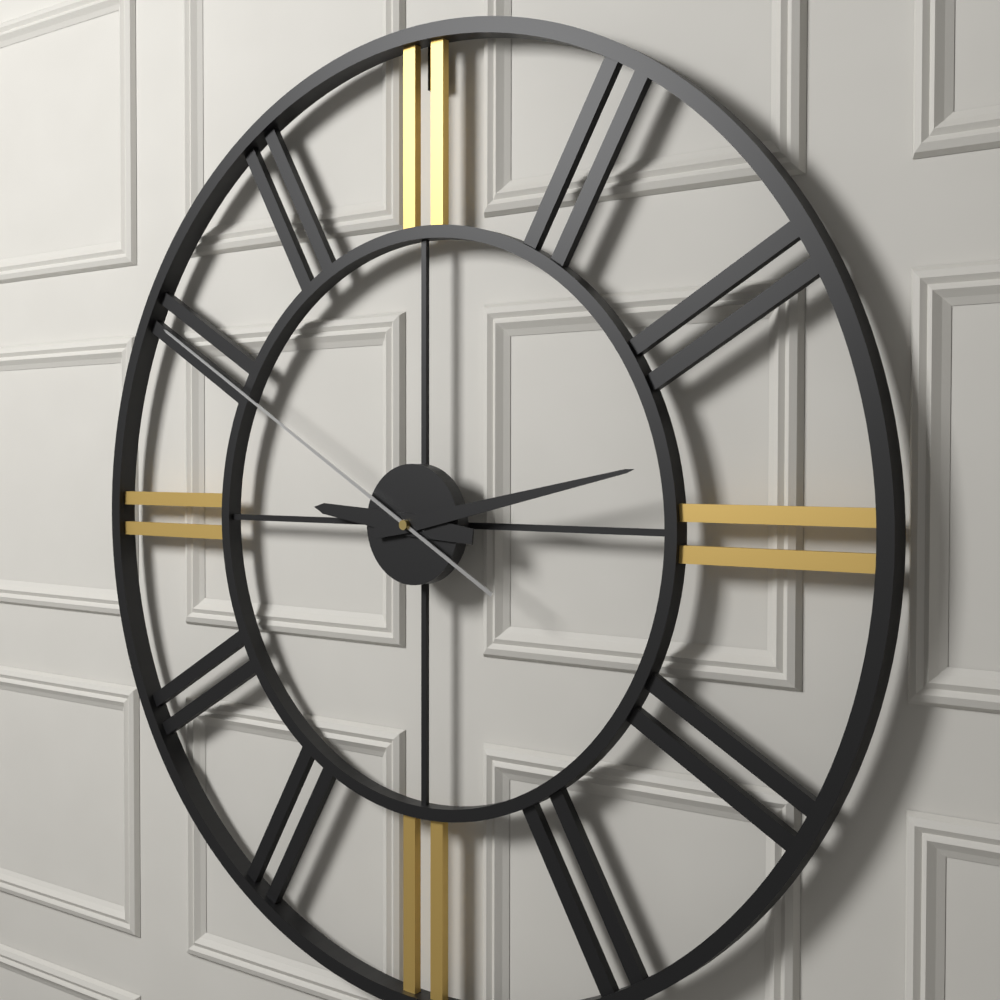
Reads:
h=9 m=13 s=50
